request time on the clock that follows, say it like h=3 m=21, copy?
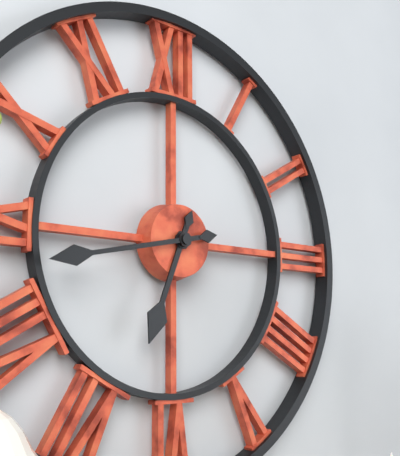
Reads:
h=6 m=43
